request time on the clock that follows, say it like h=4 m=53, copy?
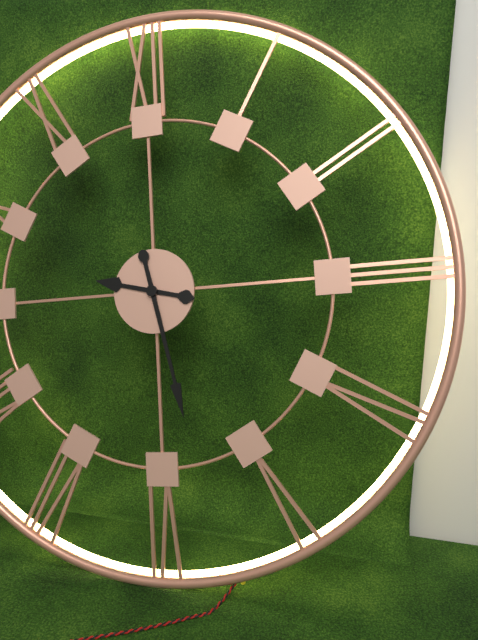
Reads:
h=9 m=28
